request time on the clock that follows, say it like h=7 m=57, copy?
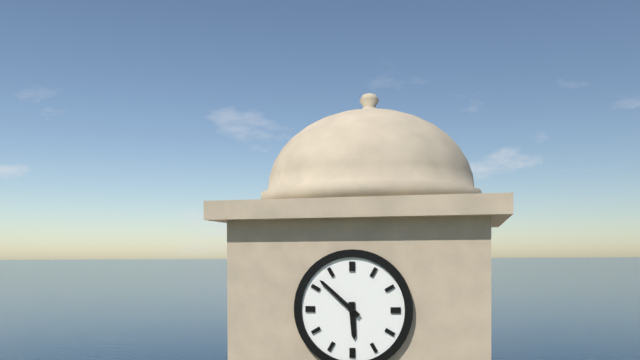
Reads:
h=5 m=52
